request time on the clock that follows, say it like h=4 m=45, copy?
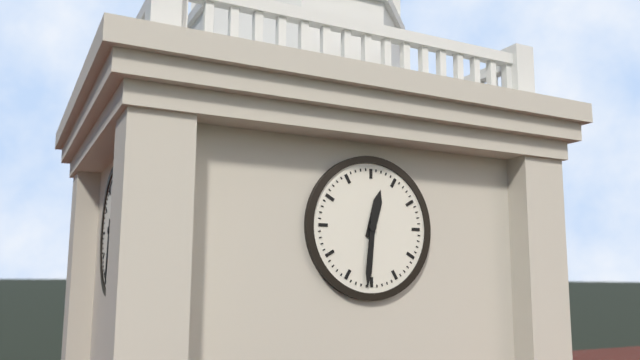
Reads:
h=12 m=31
